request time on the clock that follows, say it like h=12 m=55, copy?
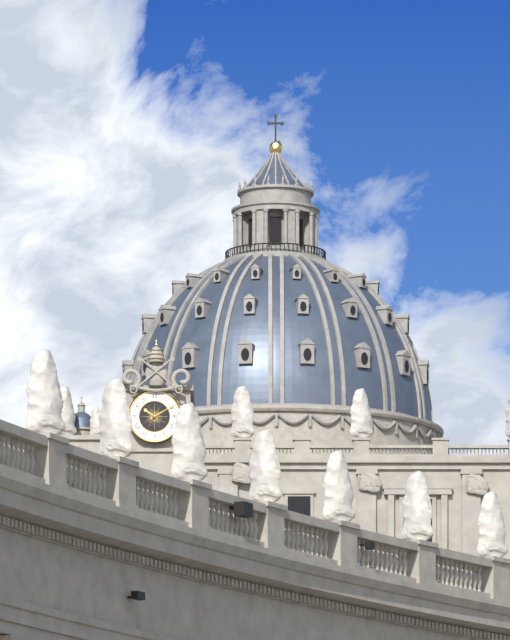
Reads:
h=10 m=10
